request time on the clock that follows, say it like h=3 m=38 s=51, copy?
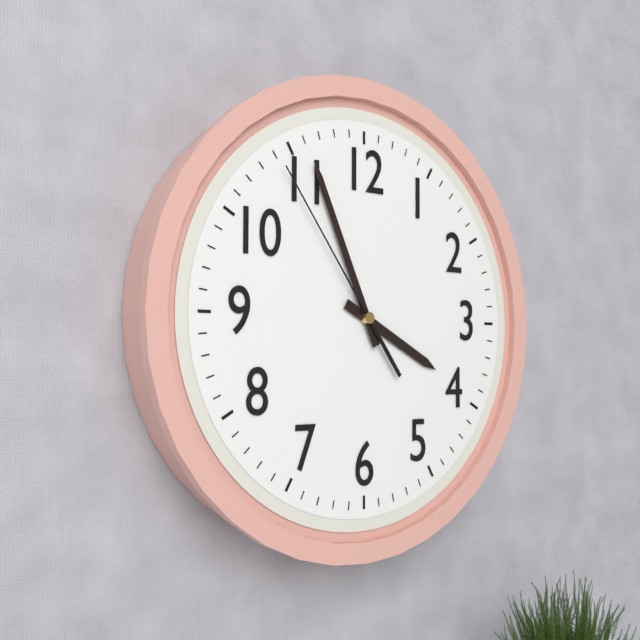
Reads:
h=3 m=56 s=54
